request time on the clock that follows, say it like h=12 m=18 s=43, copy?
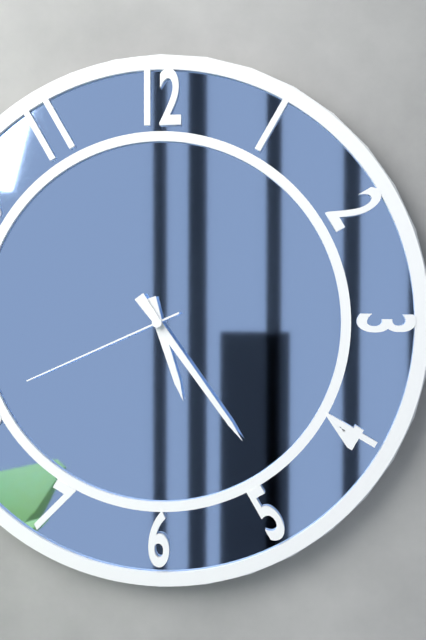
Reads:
h=5 m=24 s=41
